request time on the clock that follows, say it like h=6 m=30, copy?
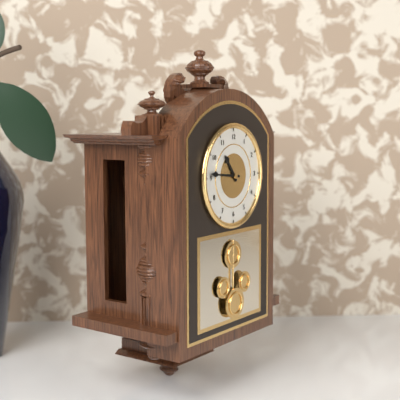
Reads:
h=10 m=46
